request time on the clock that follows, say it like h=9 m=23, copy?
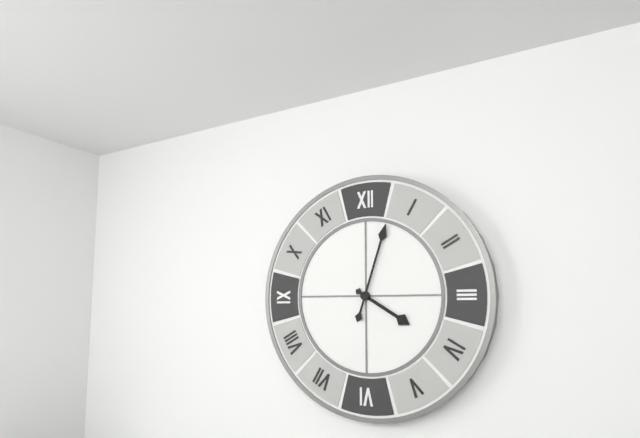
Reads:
h=4 m=3
